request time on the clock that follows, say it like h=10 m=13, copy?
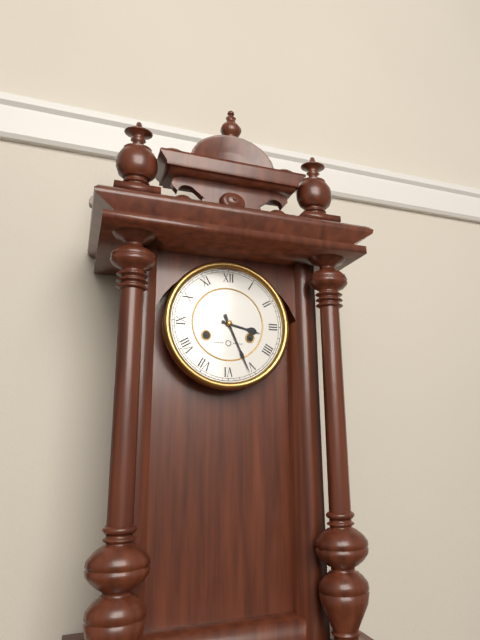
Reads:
h=3 m=26
